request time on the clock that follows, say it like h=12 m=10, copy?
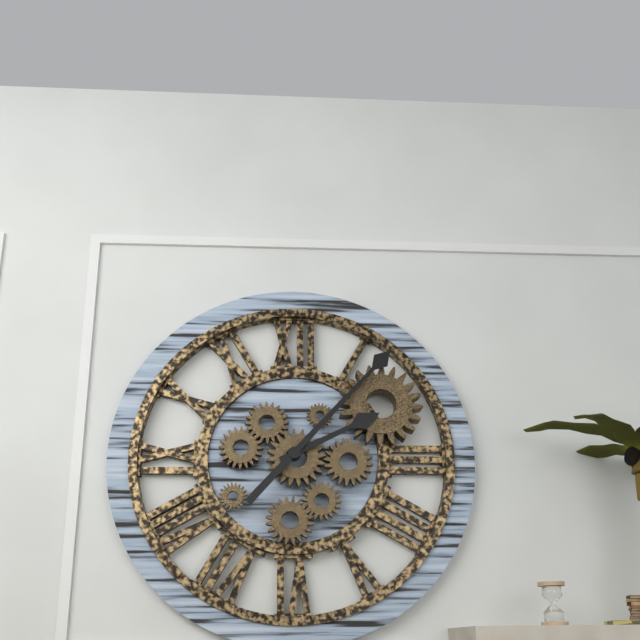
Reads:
h=2 m=7
